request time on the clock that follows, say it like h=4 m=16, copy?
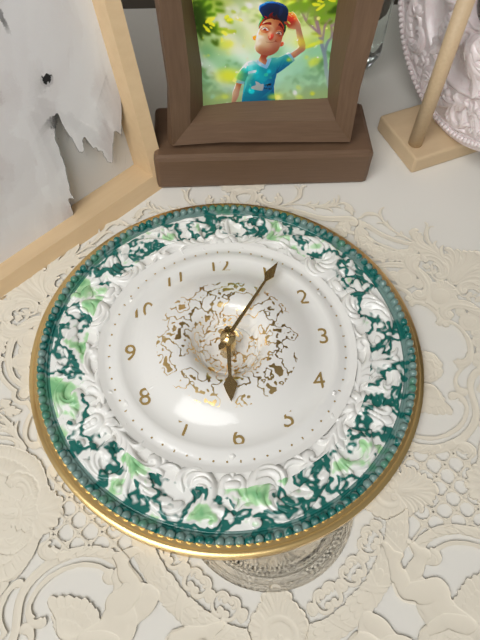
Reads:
h=6 m=6
